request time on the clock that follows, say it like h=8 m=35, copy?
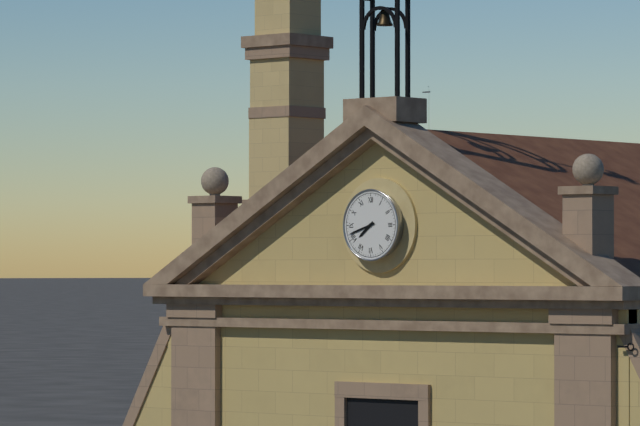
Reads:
h=7 m=42
